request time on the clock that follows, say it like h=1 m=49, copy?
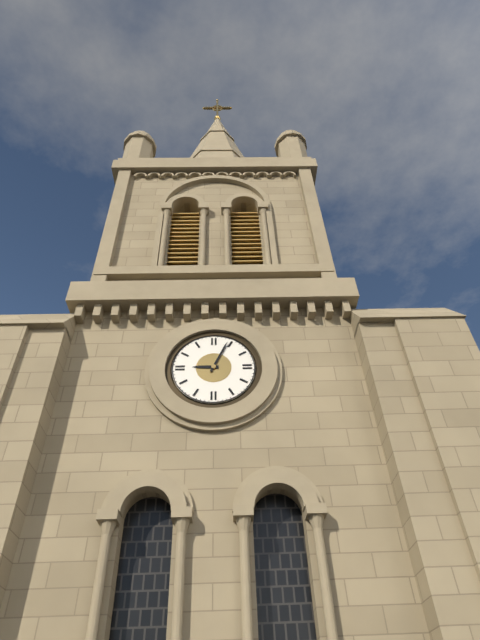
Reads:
h=9 m=4
